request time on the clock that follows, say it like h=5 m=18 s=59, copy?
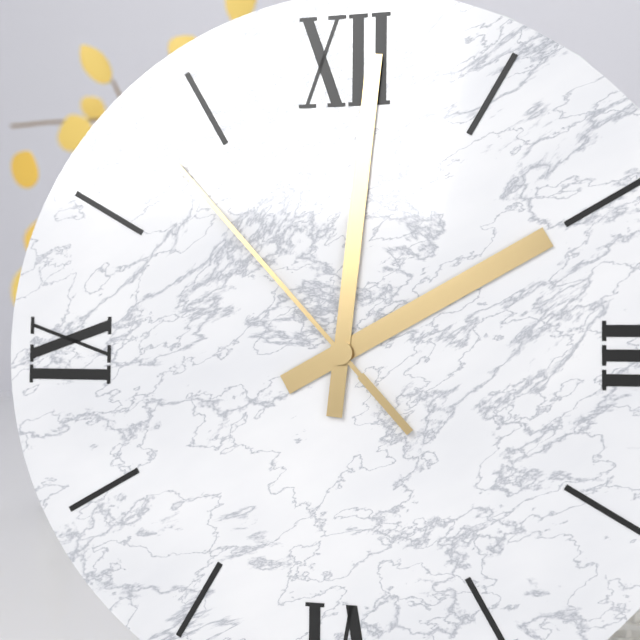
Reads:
h=2 m=1 s=53
